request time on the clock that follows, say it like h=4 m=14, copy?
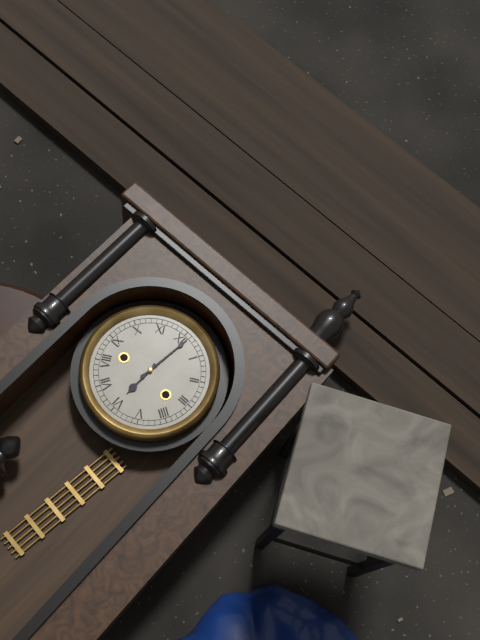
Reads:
h=6 m=1
